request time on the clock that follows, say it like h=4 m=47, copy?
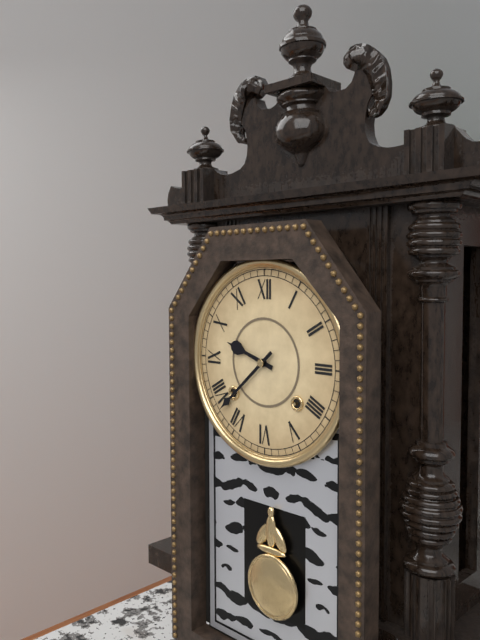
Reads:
h=9 m=38
